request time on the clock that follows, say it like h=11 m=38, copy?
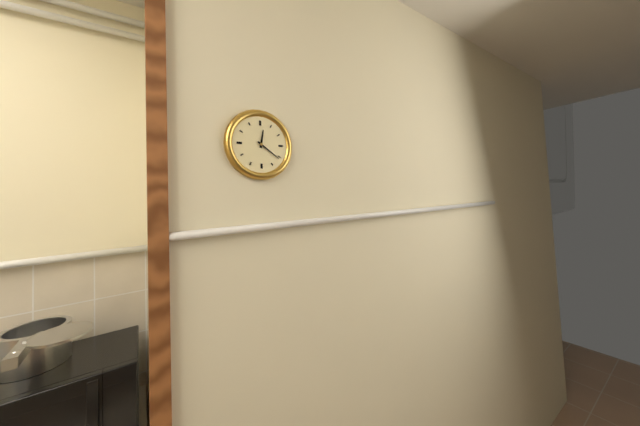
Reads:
h=12 m=21
